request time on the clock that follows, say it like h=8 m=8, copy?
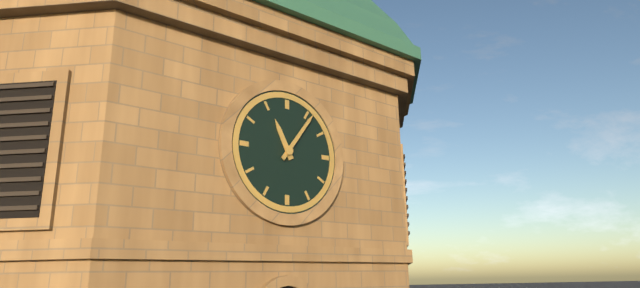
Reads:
h=11 m=6
